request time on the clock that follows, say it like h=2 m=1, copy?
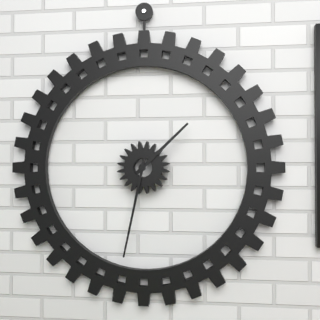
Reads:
h=1 m=32
